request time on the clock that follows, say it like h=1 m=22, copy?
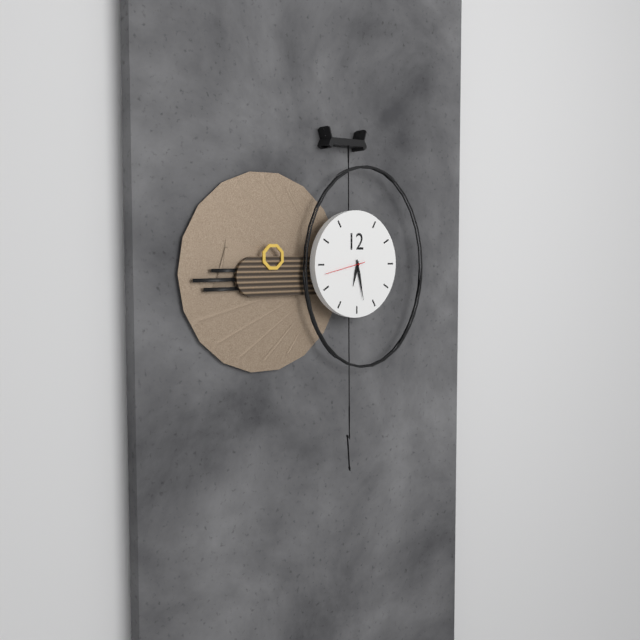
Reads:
h=6 m=28
